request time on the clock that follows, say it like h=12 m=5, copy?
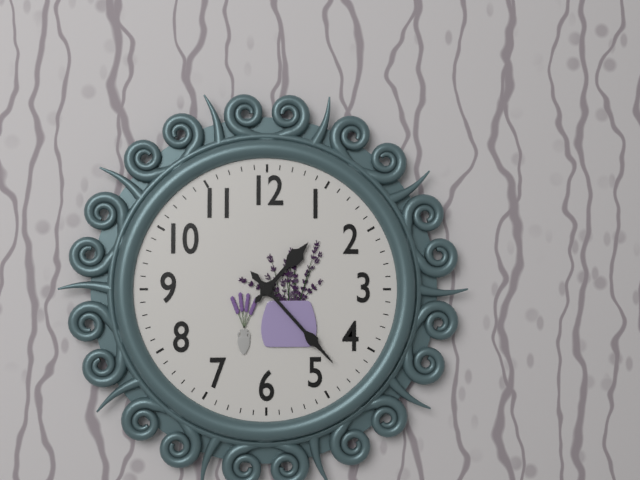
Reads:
h=1 m=23
